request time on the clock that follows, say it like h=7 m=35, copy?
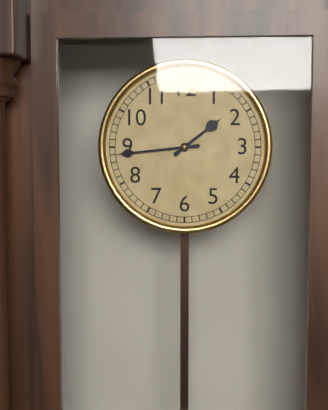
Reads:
h=1 m=44
